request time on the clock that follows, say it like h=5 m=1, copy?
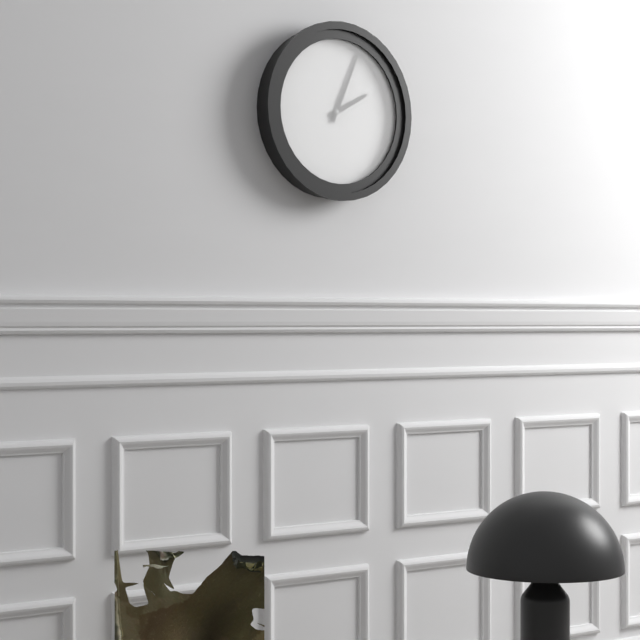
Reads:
h=2 m=4
